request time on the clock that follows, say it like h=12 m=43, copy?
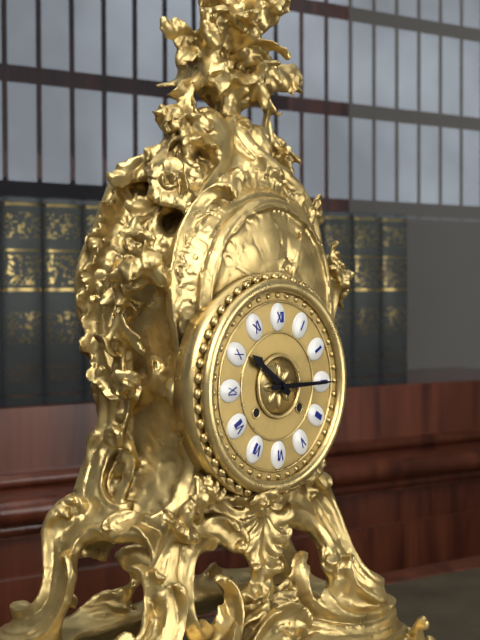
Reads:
h=10 m=15
